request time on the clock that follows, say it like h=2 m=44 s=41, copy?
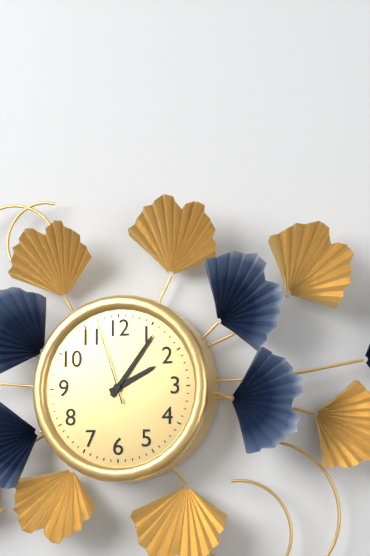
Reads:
h=2 m=6 s=57
